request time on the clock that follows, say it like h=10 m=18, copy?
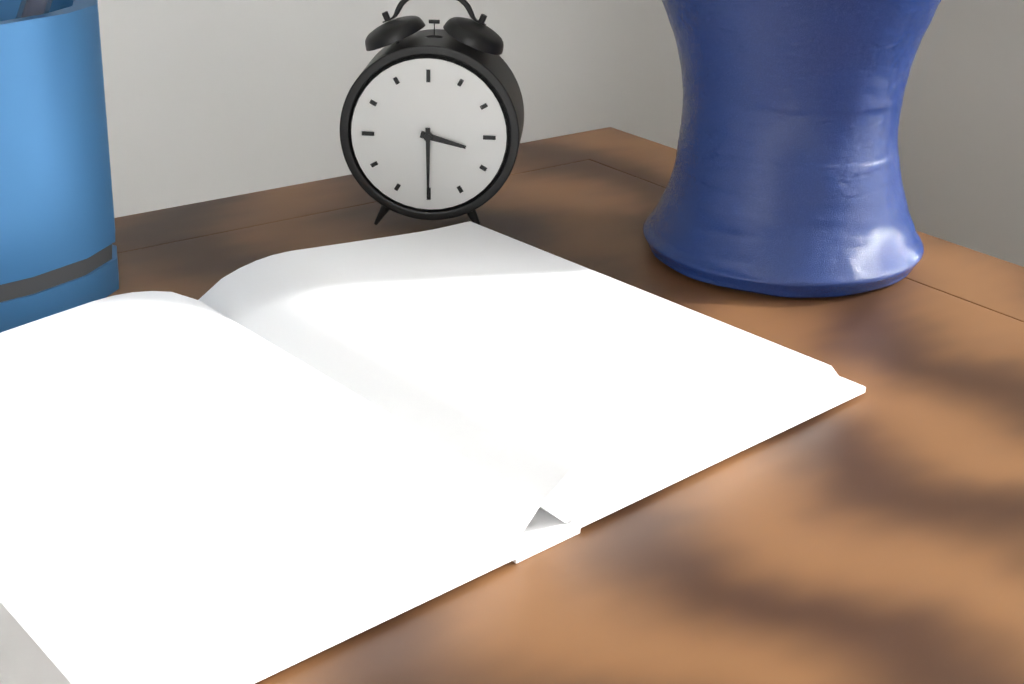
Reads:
h=3 m=30
